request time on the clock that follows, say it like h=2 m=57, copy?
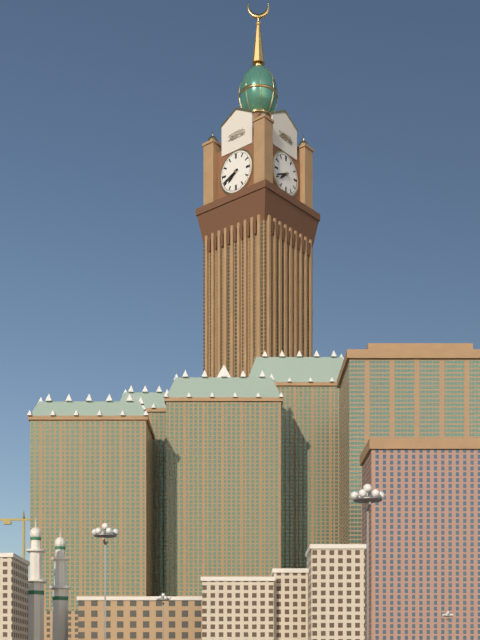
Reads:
h=7 m=41
